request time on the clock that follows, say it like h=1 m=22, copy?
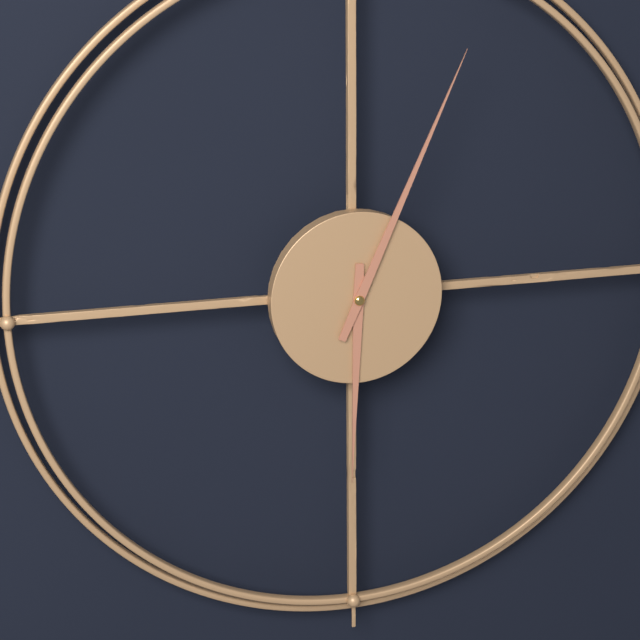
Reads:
h=6 m=4
